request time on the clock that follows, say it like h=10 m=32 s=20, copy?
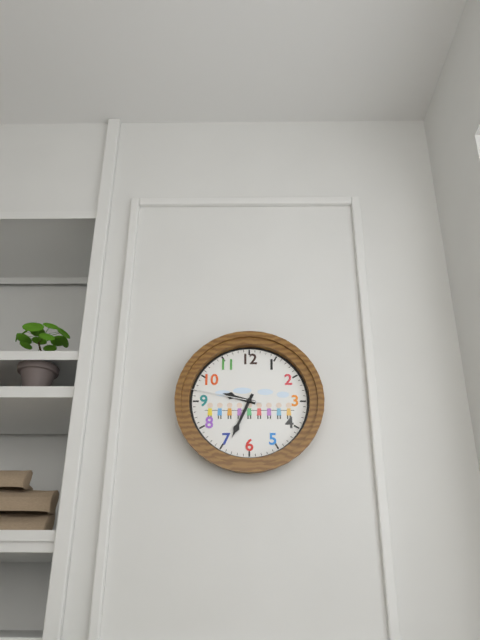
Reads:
h=9 m=34 s=47
